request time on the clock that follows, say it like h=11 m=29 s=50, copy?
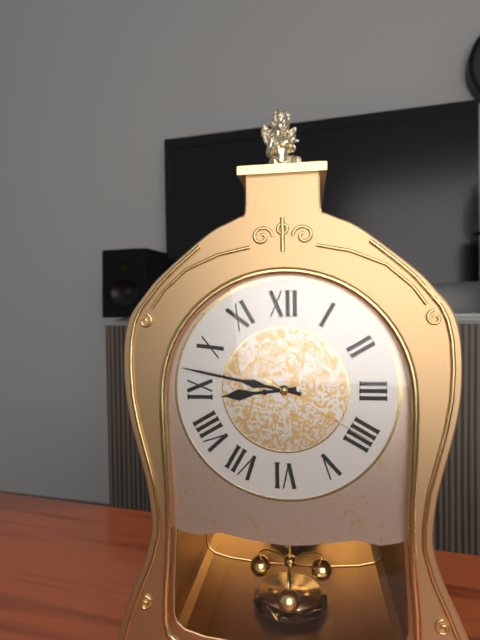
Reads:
h=8 m=47 s=20
